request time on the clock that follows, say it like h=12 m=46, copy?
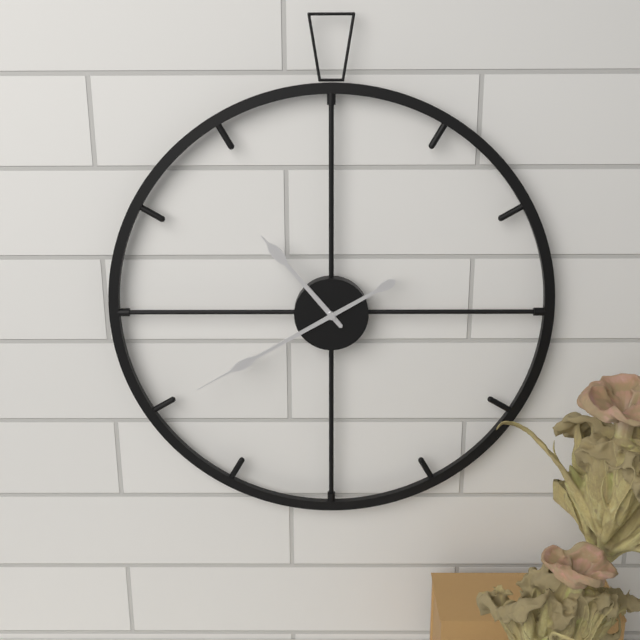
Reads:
h=10 m=40
